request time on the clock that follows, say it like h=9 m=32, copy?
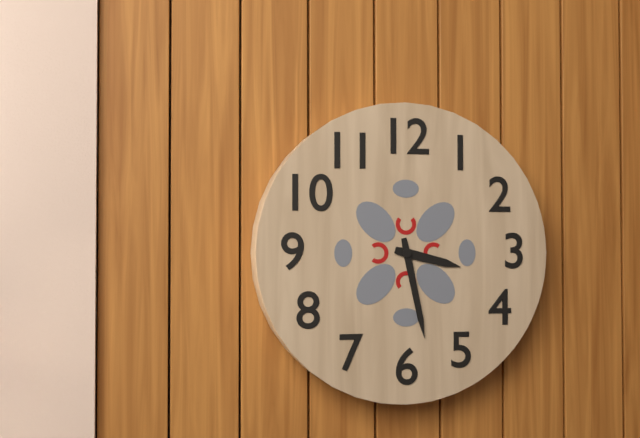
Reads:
h=3 m=28
